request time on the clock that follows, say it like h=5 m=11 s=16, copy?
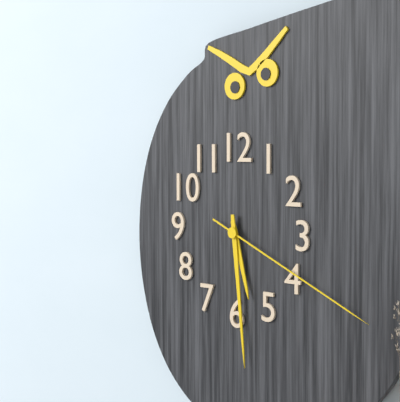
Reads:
h=5 m=29 s=19
